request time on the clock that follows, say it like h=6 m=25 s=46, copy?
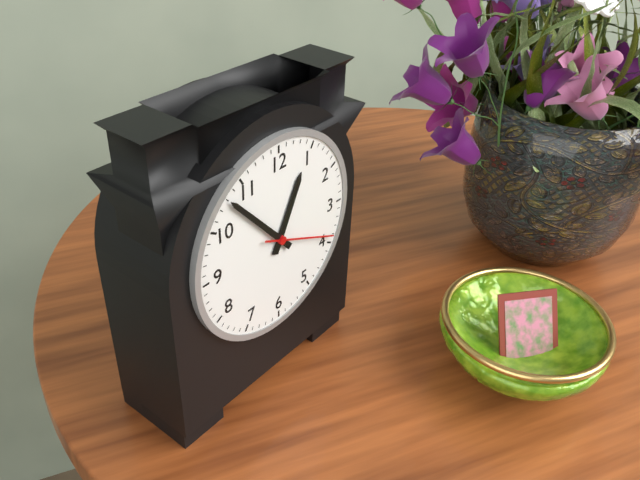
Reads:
h=12 m=53 s=19
